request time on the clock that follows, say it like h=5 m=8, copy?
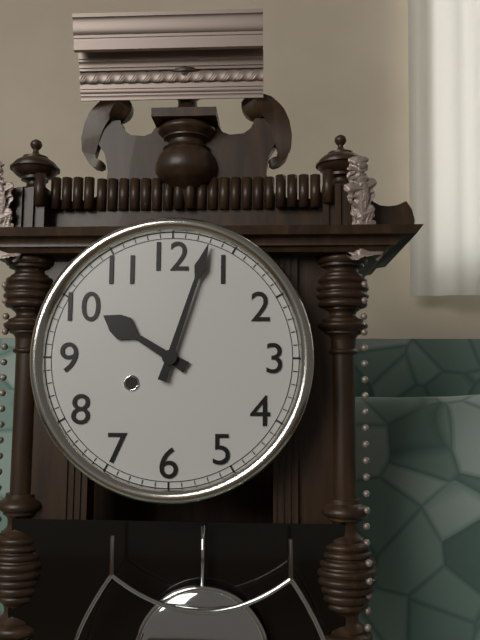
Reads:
h=10 m=3
